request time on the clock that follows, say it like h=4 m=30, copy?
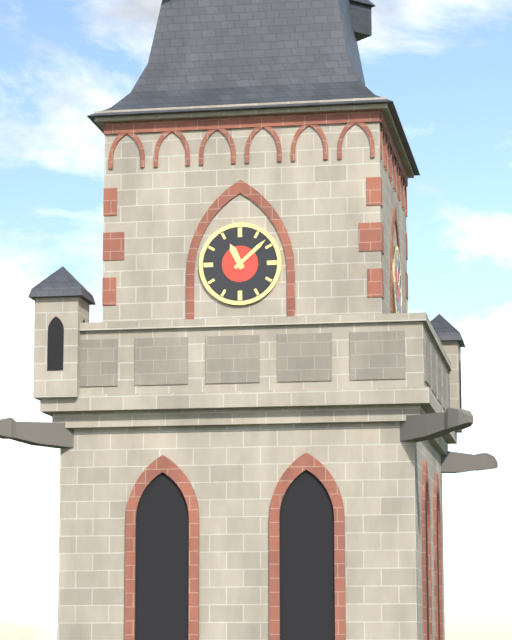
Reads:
h=11 m=8
